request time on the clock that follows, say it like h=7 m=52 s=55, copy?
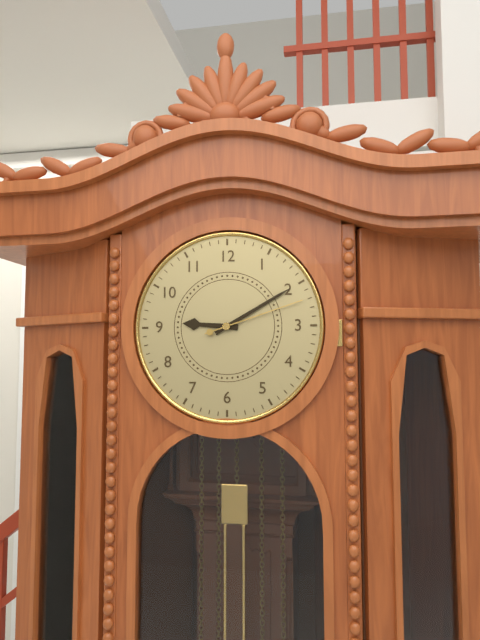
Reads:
h=9 m=10 s=12
